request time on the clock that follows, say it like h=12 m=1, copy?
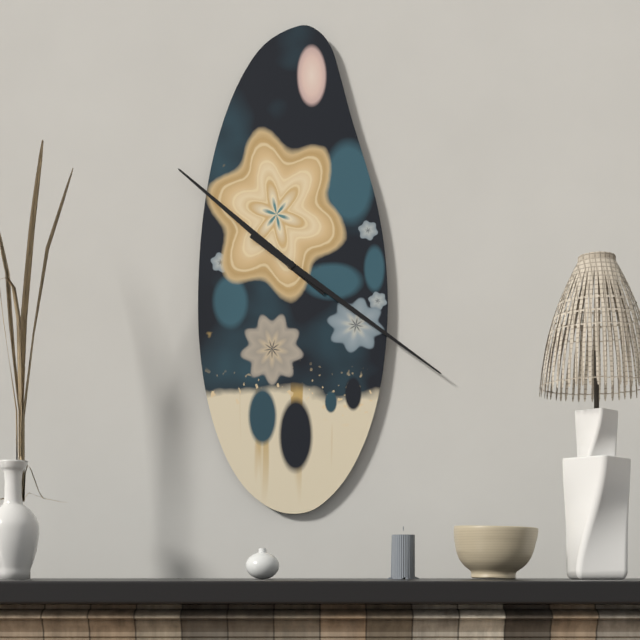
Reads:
h=10 m=21
